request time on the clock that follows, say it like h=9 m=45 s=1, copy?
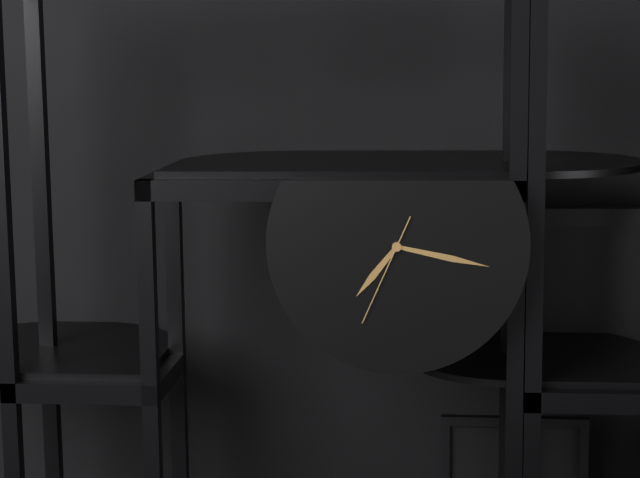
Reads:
h=7 m=17 s=34
